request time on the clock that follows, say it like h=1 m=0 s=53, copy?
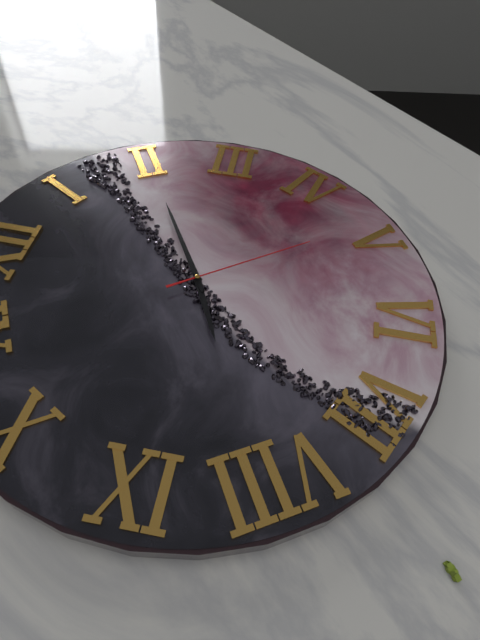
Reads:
h=8 m=10 s=24
